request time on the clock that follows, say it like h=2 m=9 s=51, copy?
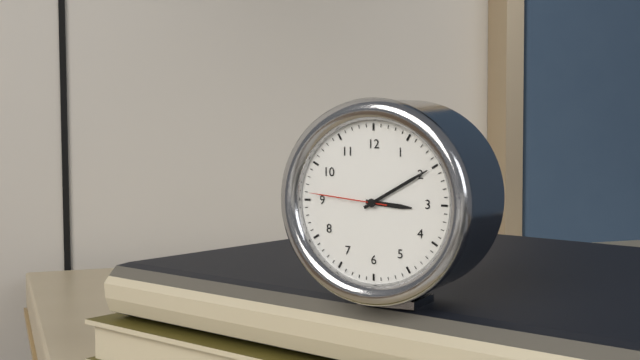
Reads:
h=3 m=10 s=46
